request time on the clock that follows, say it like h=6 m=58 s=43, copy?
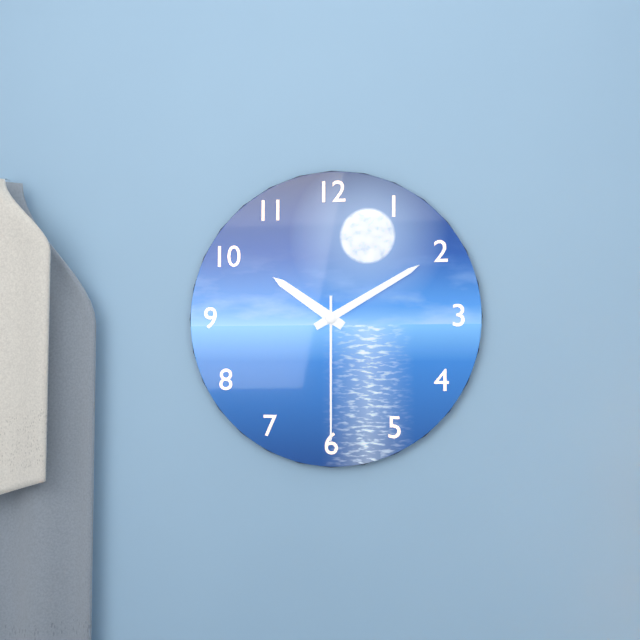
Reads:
h=10 m=10 s=30
